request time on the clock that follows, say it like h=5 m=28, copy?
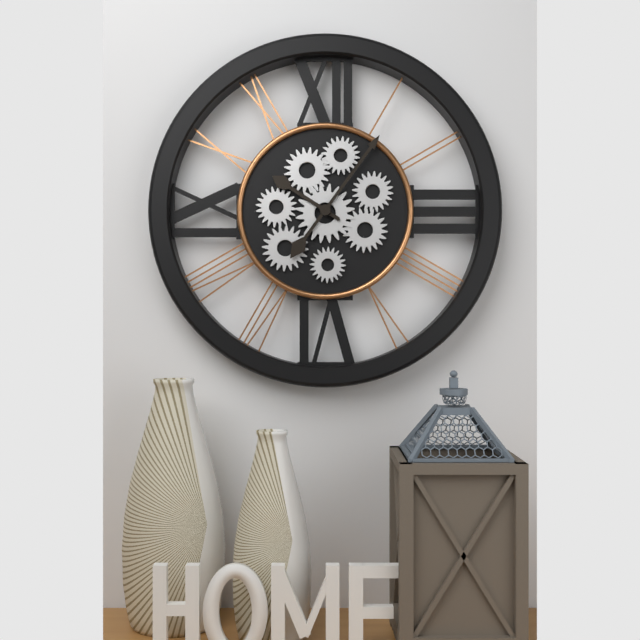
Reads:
h=10 m=6
